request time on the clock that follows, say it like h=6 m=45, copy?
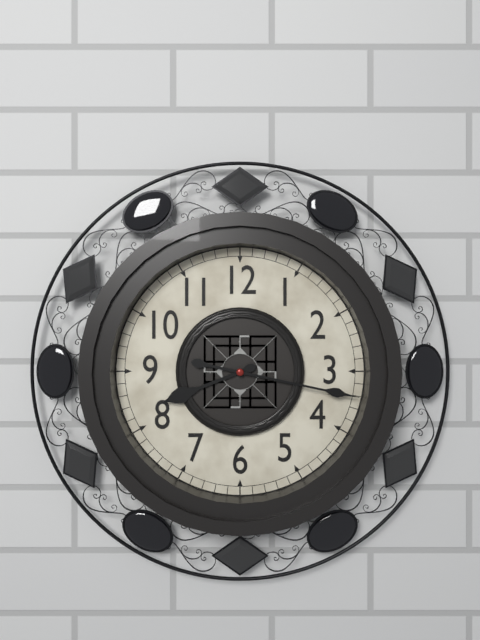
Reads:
h=8 m=17
